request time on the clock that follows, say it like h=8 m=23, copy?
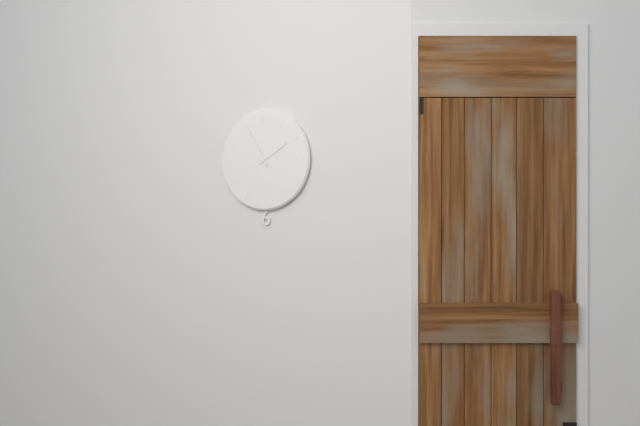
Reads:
h=1 m=55
